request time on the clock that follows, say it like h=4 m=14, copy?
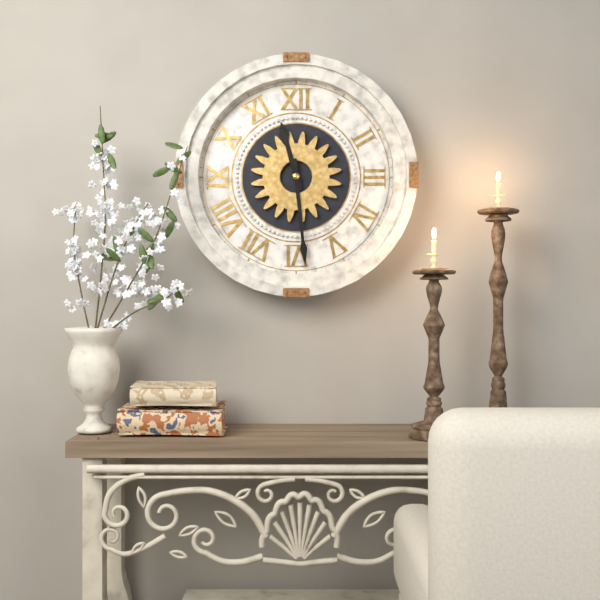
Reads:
h=11 m=29
